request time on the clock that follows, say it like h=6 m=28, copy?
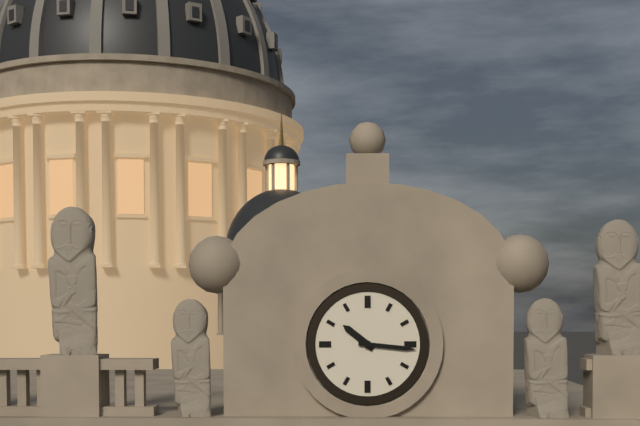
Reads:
h=10 m=16
